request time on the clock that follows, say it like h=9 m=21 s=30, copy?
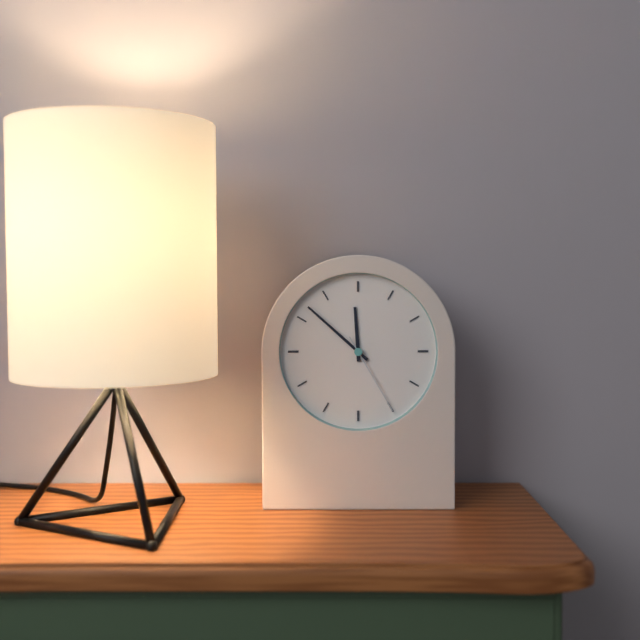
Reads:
h=11 m=52 s=25
